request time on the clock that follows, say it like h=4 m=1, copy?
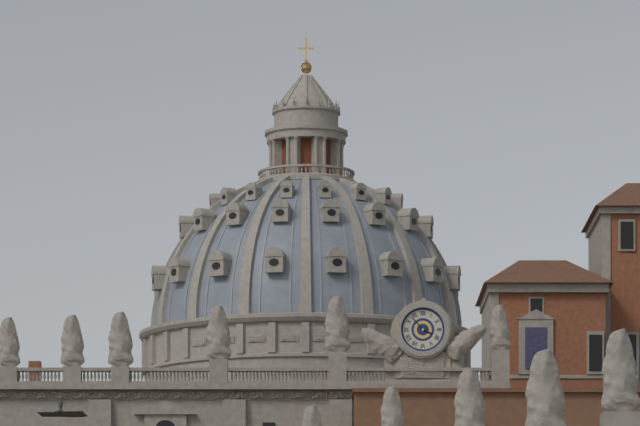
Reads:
h=3 m=53
